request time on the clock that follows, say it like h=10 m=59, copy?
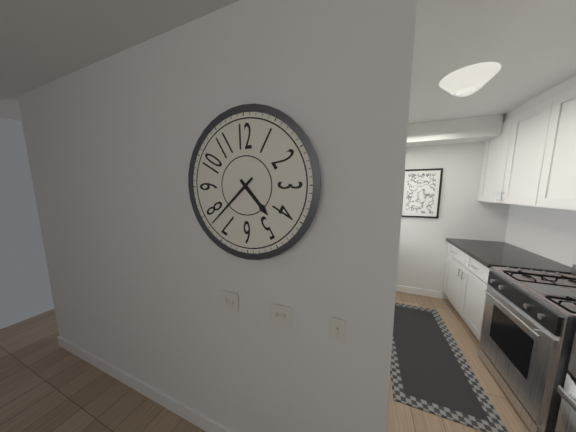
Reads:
h=4 m=38
